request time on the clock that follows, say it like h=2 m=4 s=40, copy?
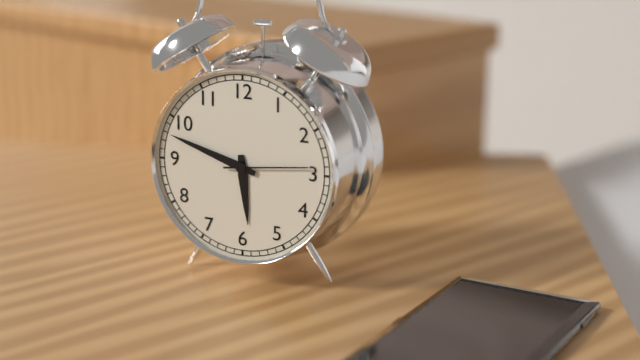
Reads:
h=5 m=48 s=14
